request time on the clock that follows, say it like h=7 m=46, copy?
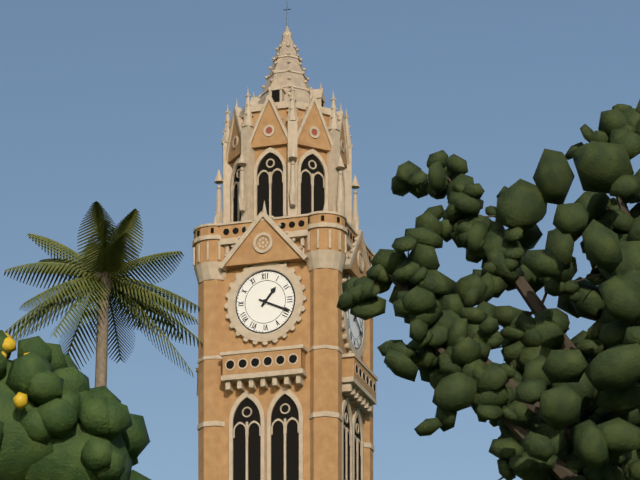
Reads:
h=1 m=19
